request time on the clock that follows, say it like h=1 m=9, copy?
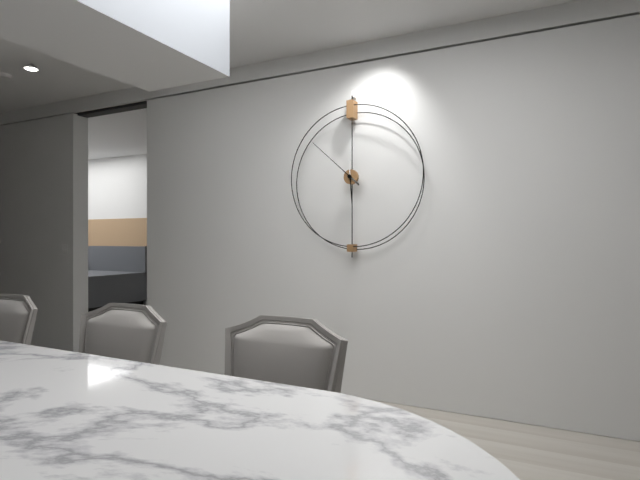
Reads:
h=5 m=52
